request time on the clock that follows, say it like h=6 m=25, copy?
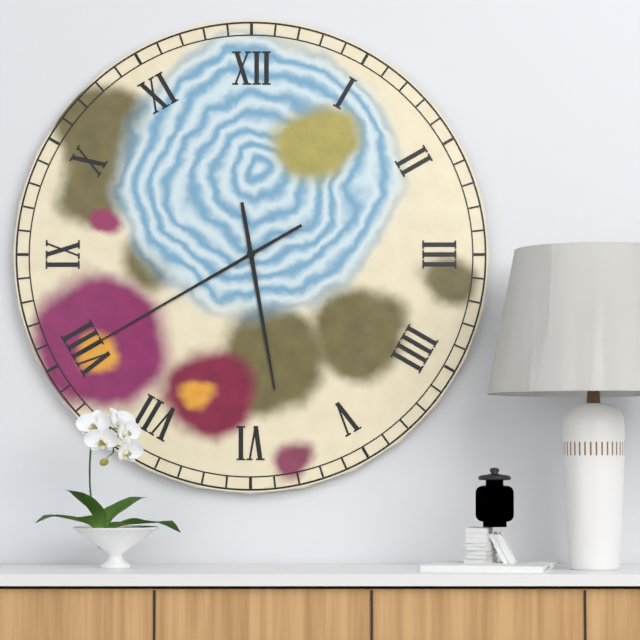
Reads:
h=5 m=40
